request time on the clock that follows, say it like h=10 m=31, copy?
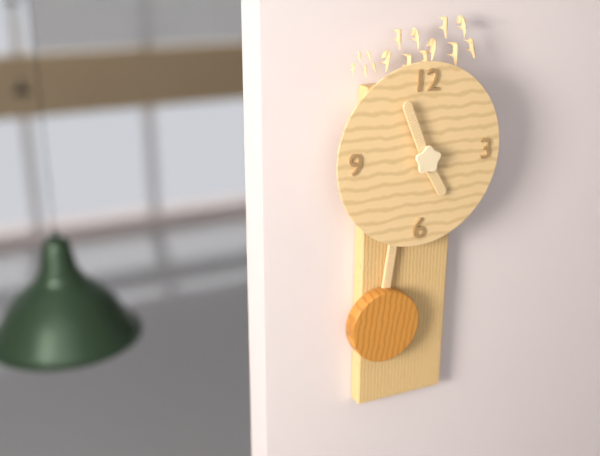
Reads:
h=4 m=56
